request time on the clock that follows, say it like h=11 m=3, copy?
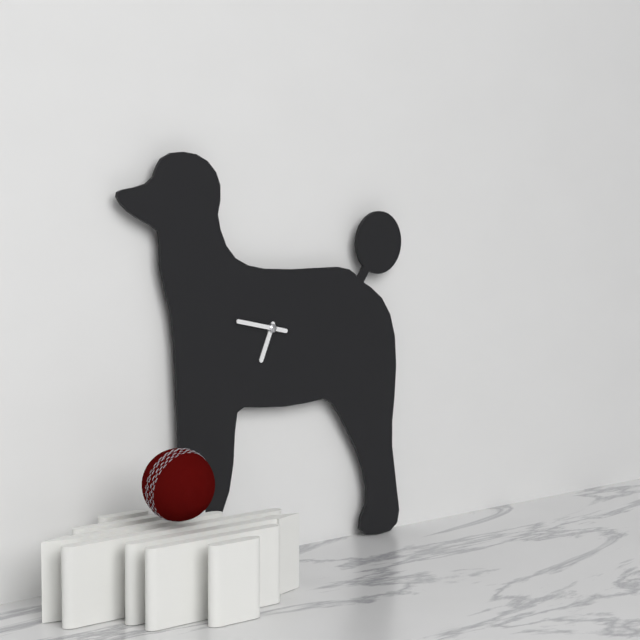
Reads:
h=6 m=47
